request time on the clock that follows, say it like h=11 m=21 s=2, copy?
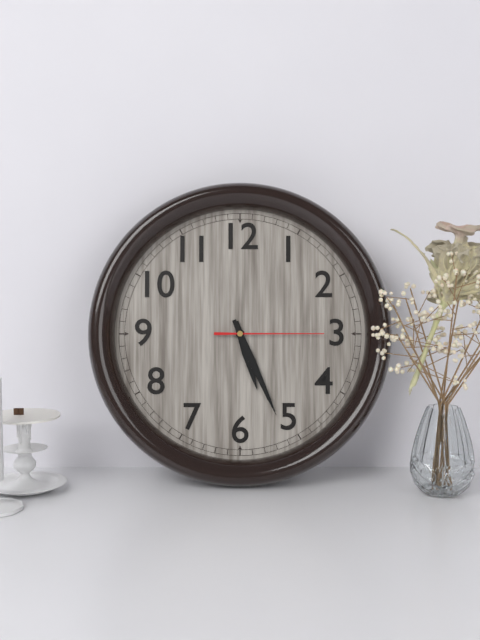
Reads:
h=5 m=26 s=15
